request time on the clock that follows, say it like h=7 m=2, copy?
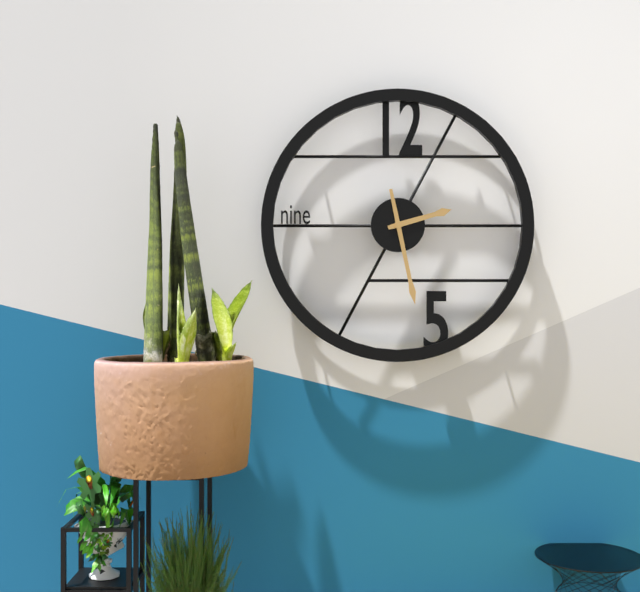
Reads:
h=2 m=28
